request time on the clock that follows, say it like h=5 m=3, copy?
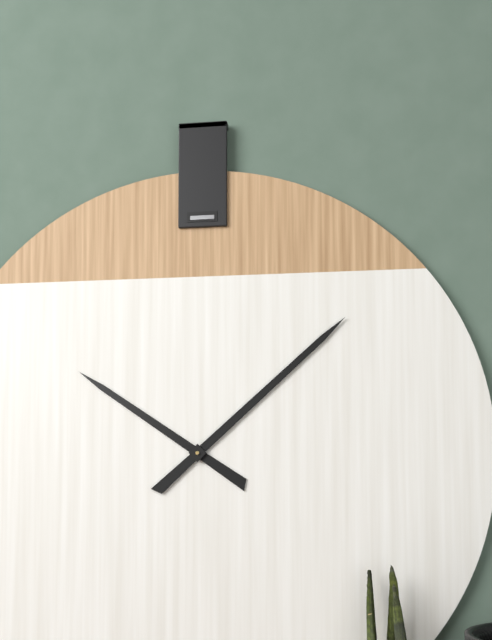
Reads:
h=10 m=8
